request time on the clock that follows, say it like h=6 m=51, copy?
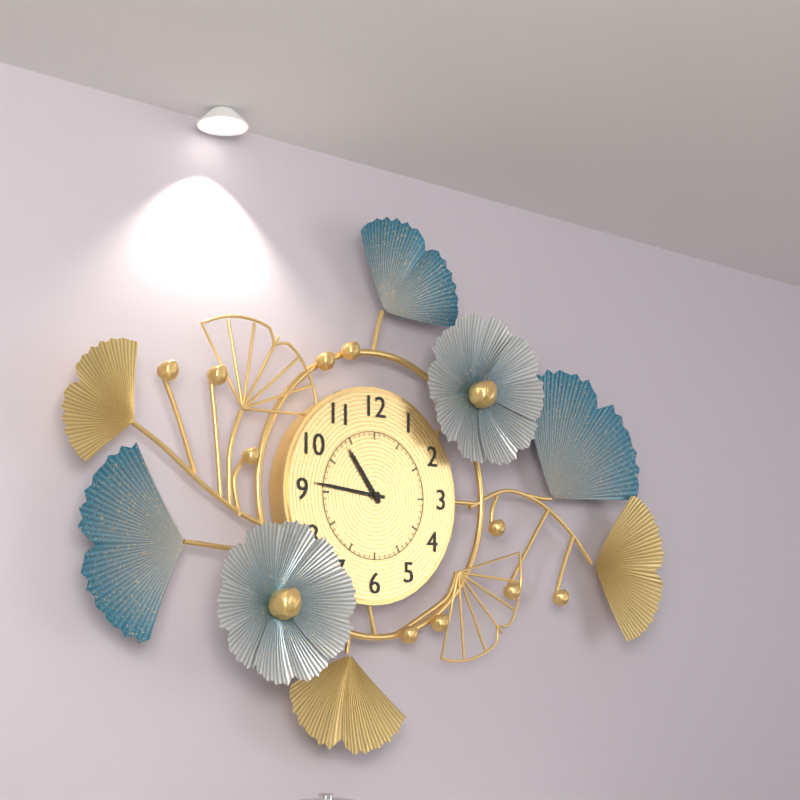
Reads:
h=10 m=46
